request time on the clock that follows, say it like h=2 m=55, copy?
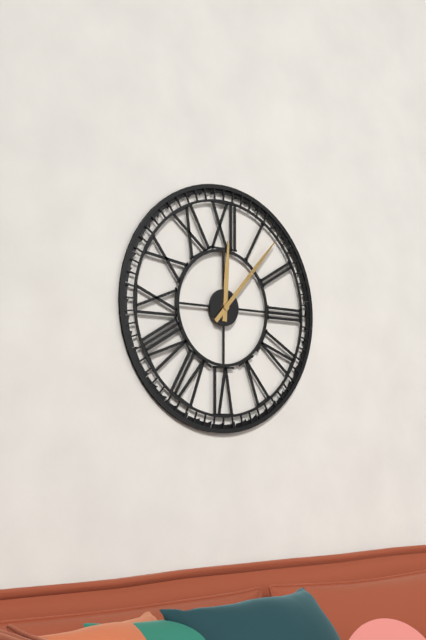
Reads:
h=12 m=7
